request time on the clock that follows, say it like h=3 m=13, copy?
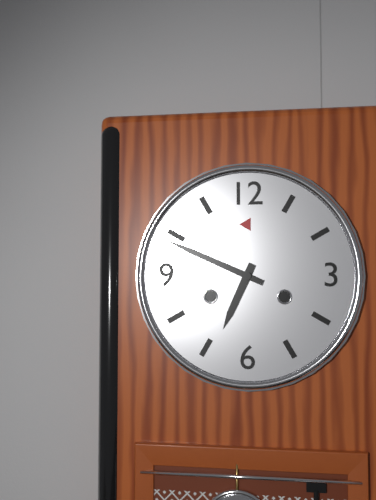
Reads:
h=6 m=49
